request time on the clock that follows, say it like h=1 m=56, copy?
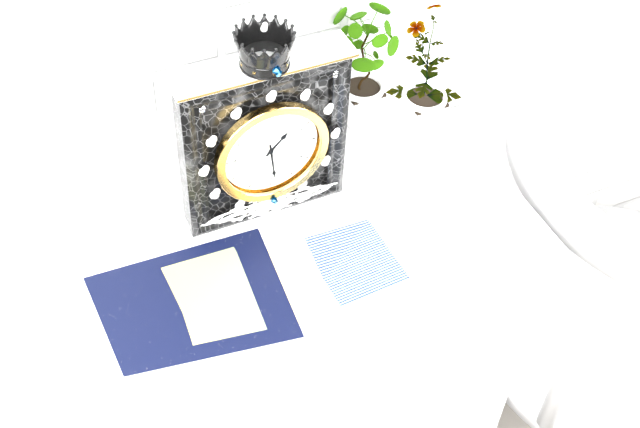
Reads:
h=1 m=29
